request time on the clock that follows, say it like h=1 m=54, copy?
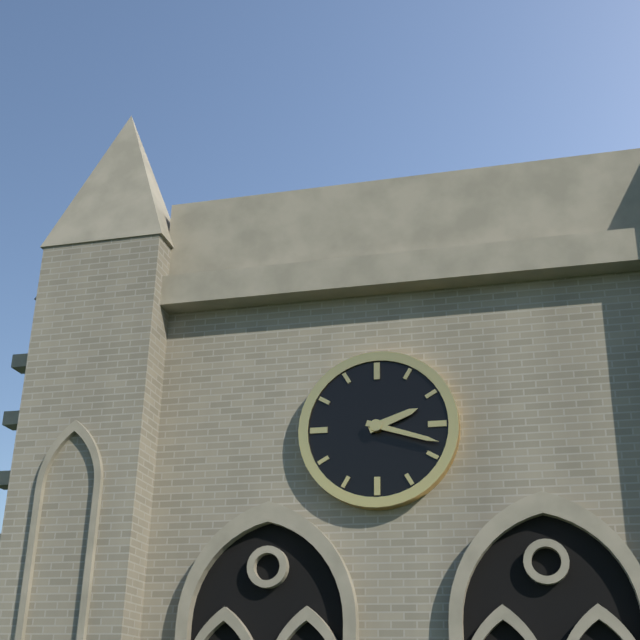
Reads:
h=2 m=18
